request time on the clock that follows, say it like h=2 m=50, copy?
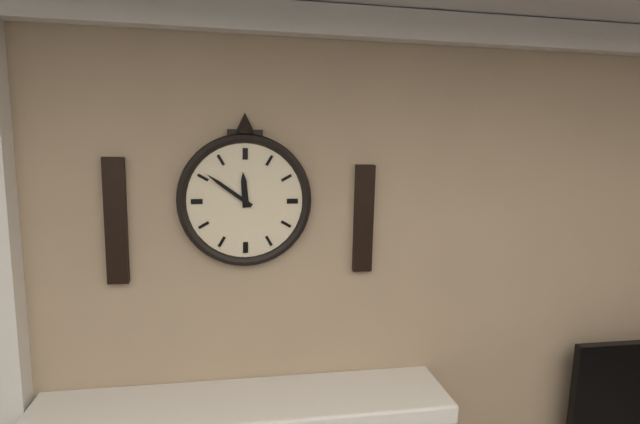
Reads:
h=11 m=51
